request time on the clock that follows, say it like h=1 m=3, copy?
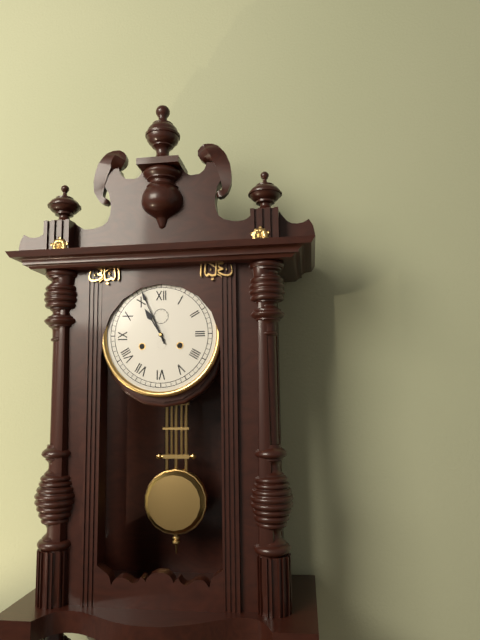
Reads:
h=10 m=56
